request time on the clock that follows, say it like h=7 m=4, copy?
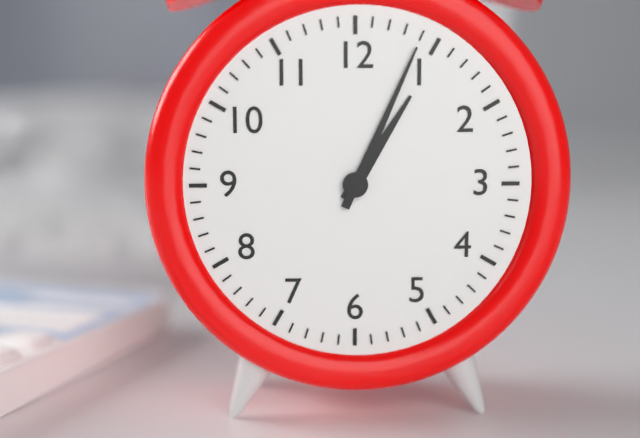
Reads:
h=1 m=4
